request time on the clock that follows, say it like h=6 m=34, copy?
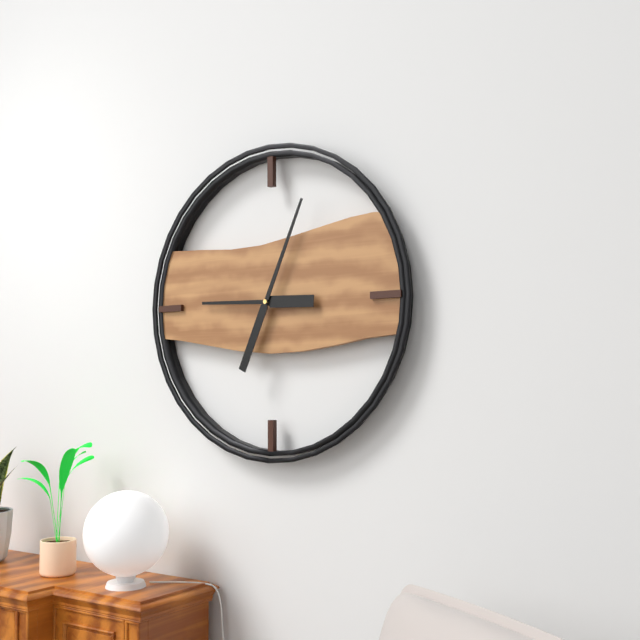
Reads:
h=9 m=4
